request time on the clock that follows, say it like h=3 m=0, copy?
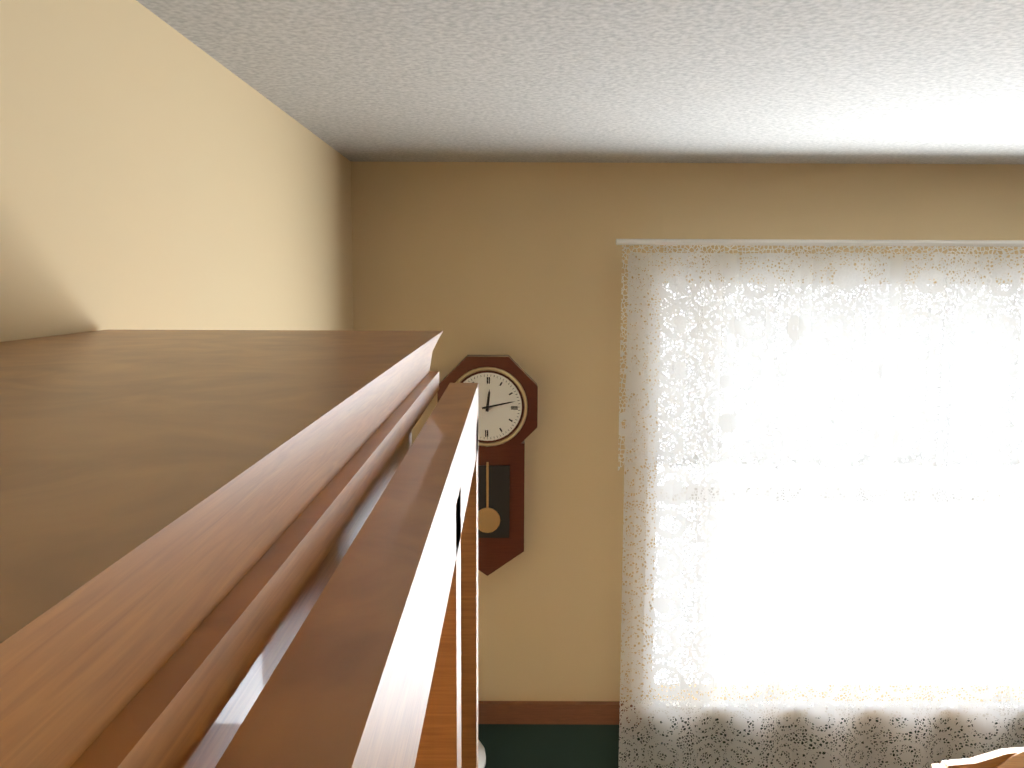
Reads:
h=12 m=13
